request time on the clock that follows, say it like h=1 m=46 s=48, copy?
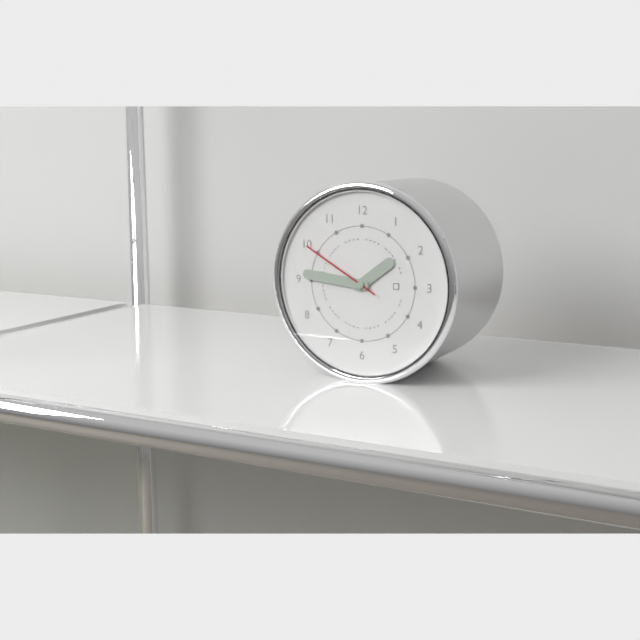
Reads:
h=1 m=46 s=50
